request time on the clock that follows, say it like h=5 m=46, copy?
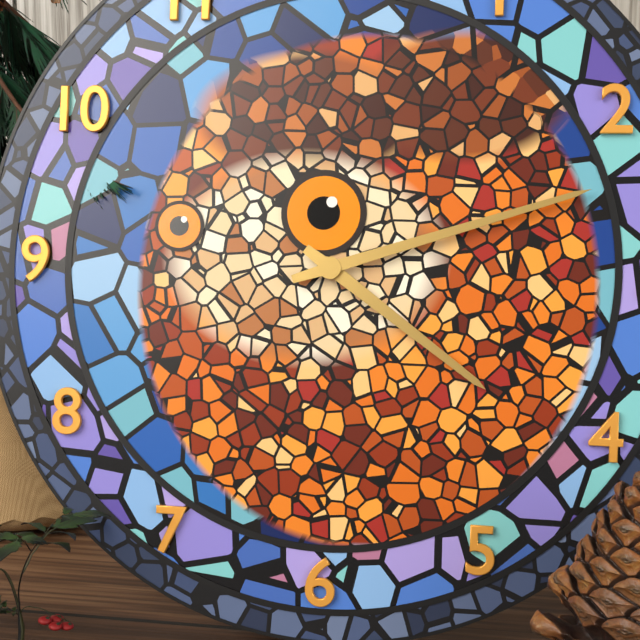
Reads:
h=4 m=12
